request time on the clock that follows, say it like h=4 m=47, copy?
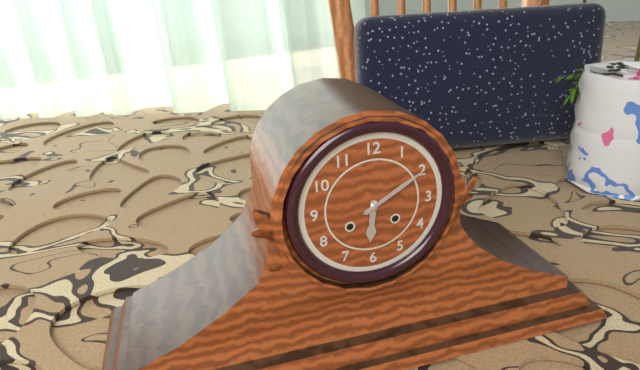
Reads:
h=6 m=10
